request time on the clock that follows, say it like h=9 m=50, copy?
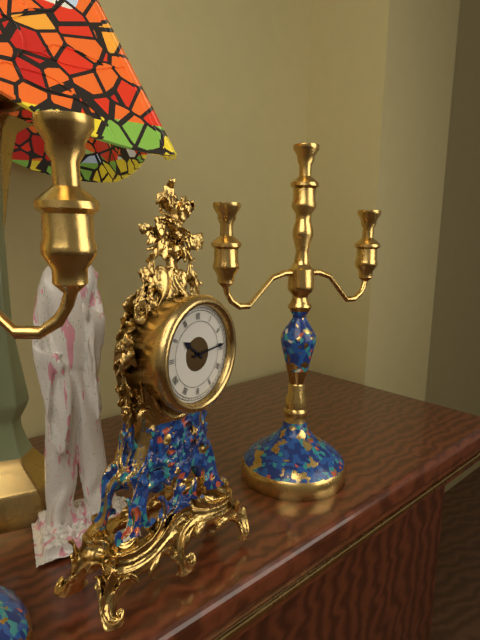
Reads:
h=10 m=14
